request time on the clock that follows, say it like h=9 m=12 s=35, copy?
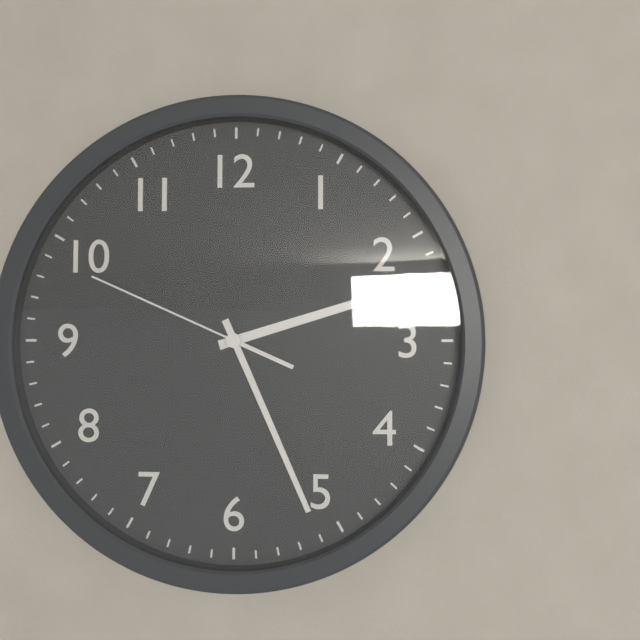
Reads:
h=2 m=26 s=49
